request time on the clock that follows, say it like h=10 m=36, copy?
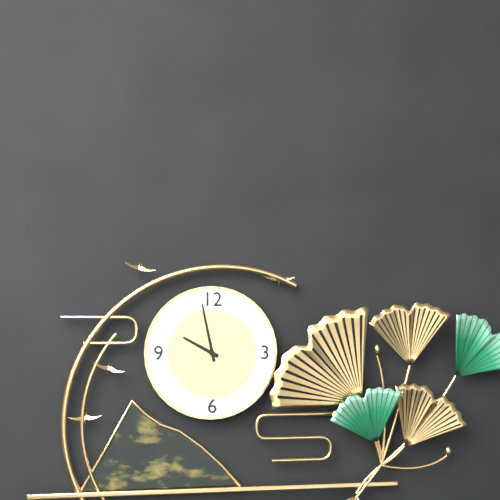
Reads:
h=9 m=58
